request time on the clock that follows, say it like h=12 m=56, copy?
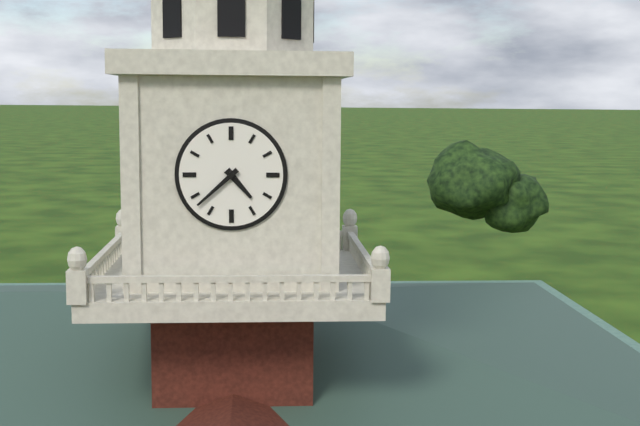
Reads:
h=4 m=38
